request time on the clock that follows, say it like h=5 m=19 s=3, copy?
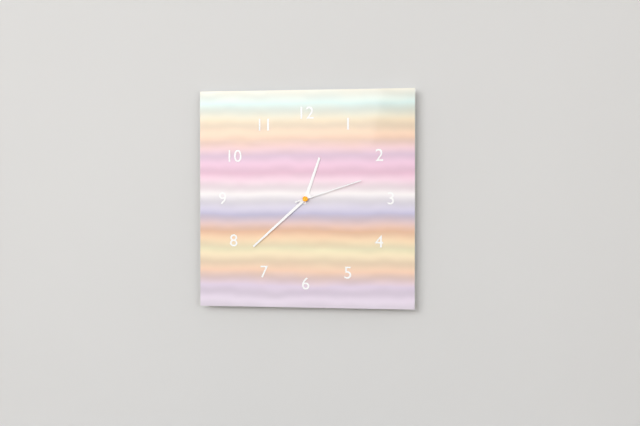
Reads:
h=12 m=38 s=12
